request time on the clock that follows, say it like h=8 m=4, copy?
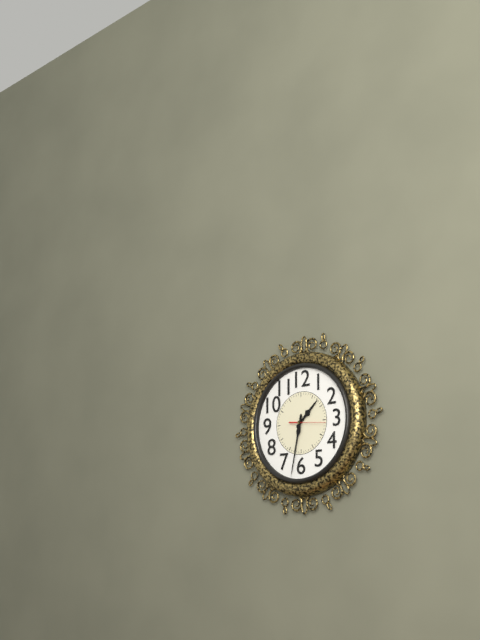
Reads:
h=1 m=32
